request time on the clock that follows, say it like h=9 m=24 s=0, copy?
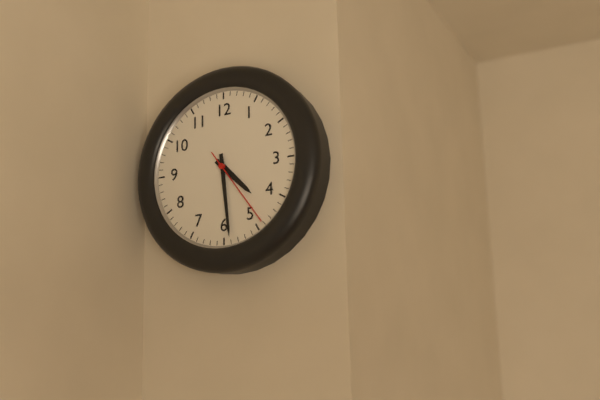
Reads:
h=4 m=29 s=24
